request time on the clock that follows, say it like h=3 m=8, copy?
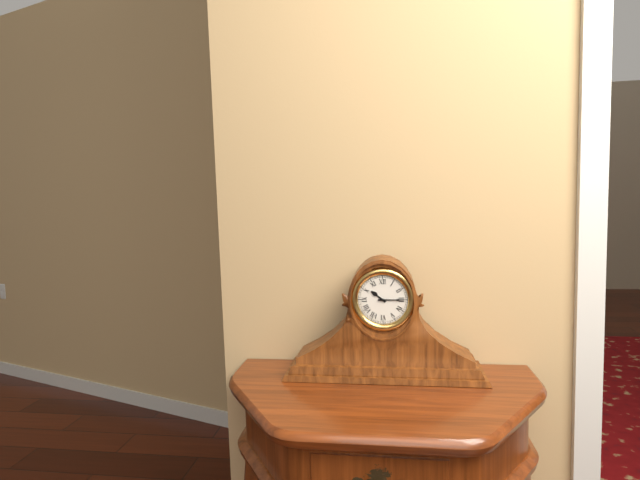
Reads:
h=10 m=15
